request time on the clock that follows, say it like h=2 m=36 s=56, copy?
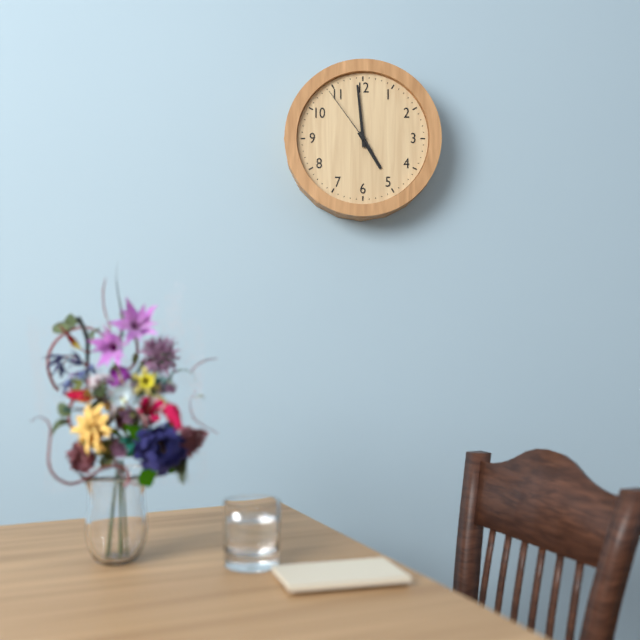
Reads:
h=4 m=59 s=54
